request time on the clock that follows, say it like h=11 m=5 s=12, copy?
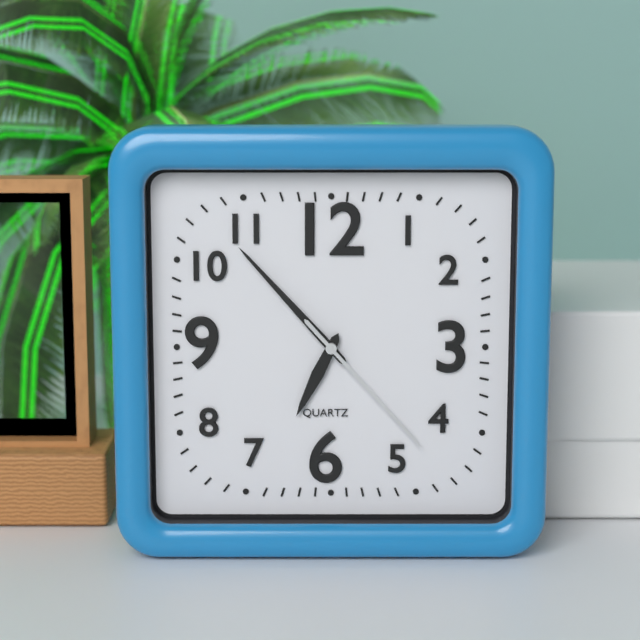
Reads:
h=6 m=53 s=23
